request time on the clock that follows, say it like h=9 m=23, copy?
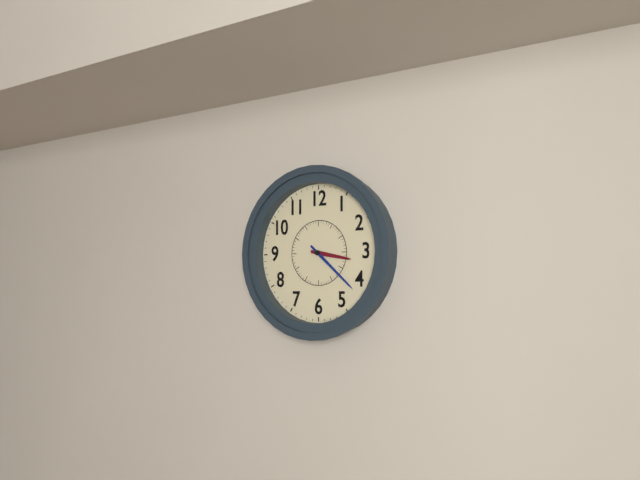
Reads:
h=3 m=22
